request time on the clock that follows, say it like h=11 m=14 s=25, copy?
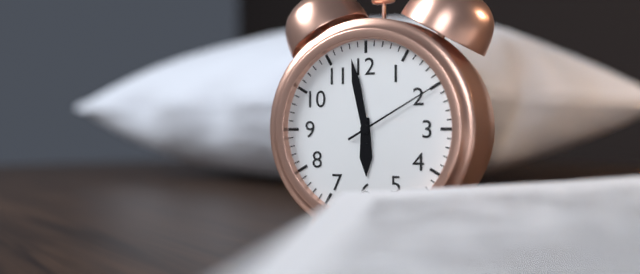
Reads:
h=5 m=58 s=10
